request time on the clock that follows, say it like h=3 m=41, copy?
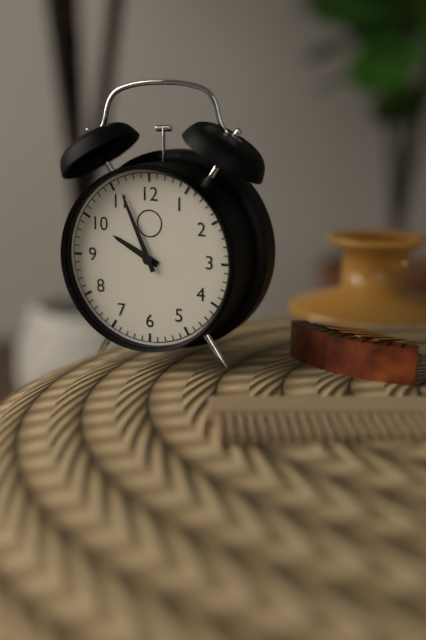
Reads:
h=9 m=56
